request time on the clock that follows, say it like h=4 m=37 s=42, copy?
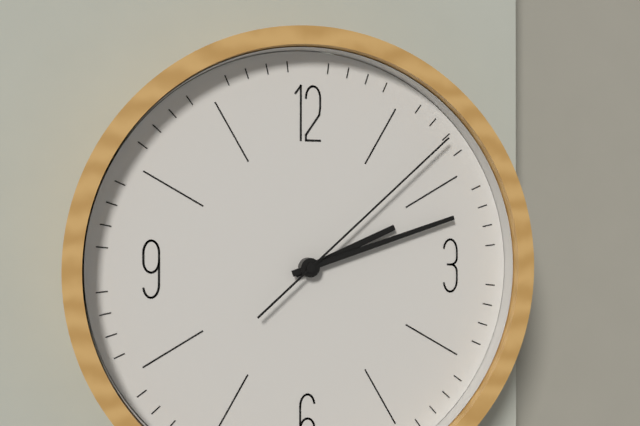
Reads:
h=2 m=12 s=8
